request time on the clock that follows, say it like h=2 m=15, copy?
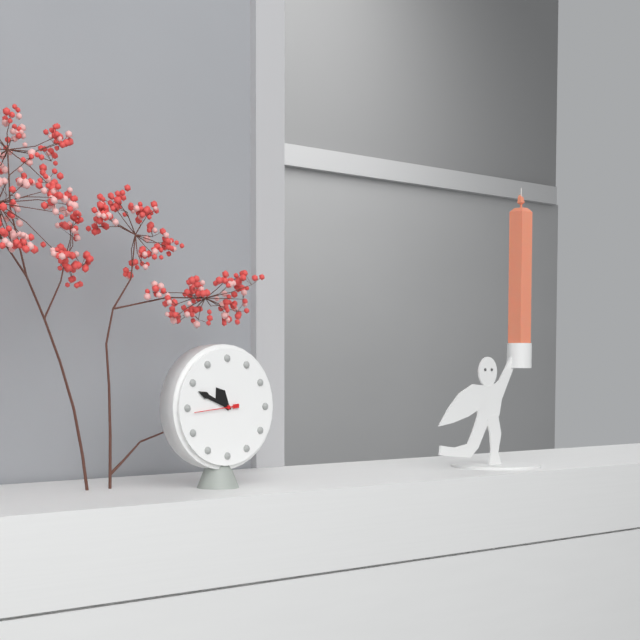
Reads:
h=10 m=49
